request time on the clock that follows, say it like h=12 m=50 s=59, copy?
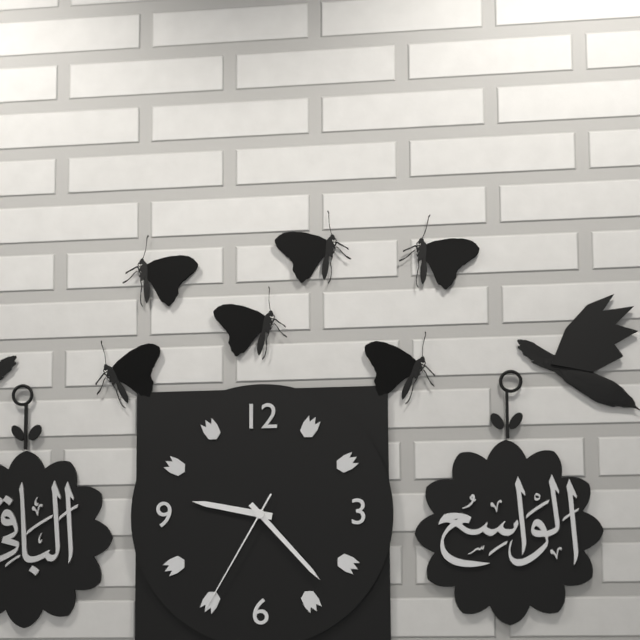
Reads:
h=9 m=23 s=35
